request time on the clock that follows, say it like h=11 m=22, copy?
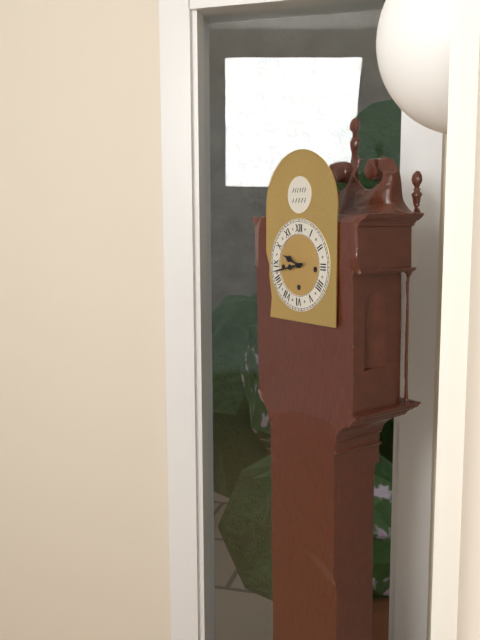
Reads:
h=9 m=43
